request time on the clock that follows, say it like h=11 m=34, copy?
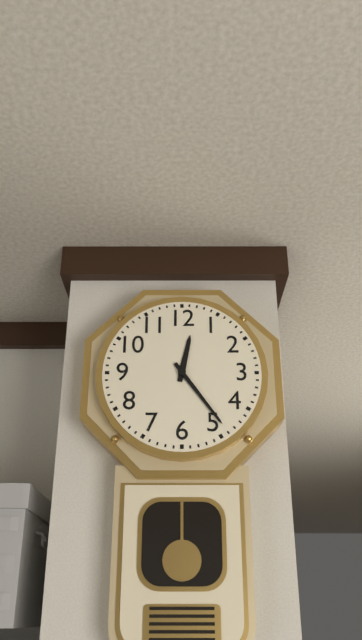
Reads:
h=12 m=24
